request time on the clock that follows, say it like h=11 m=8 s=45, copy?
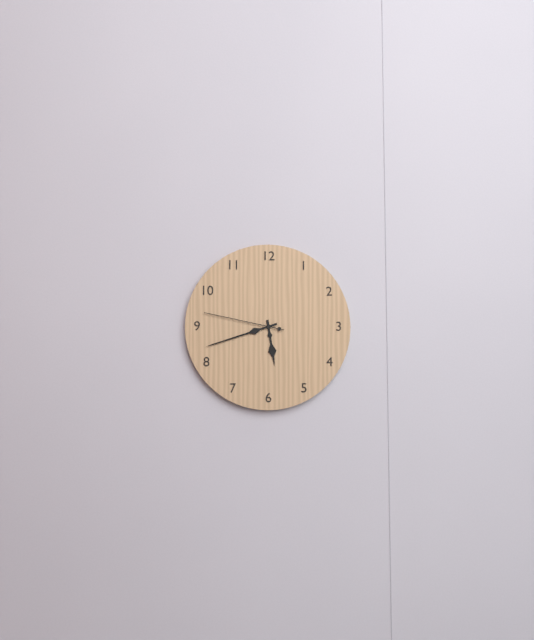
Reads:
h=5 m=42 s=47
